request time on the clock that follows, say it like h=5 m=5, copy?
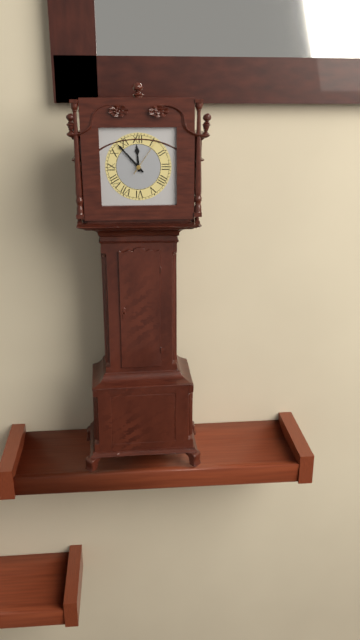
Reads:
h=11 m=53
